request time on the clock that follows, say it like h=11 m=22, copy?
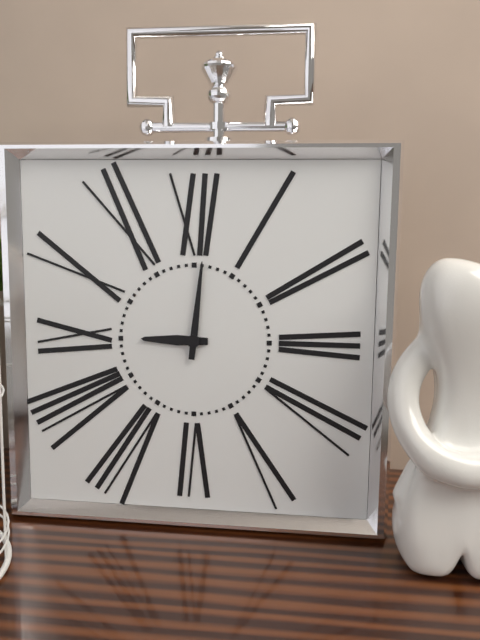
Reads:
h=9 m=1
